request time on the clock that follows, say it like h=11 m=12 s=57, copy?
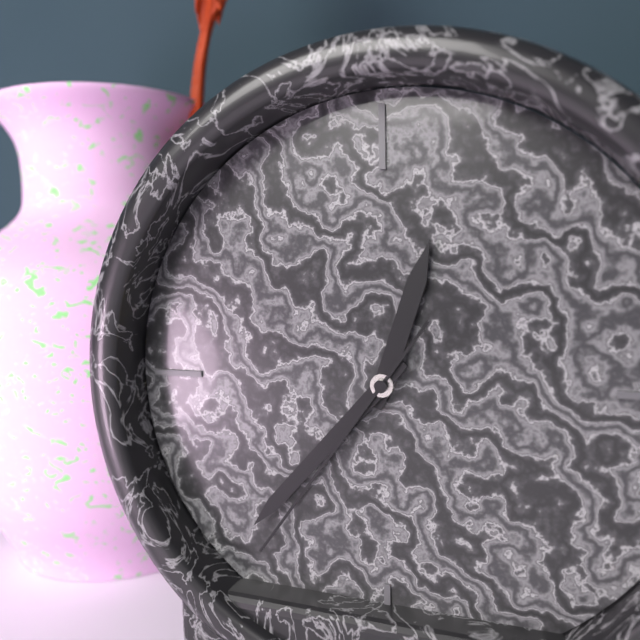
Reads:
h=12 m=37 s=36
